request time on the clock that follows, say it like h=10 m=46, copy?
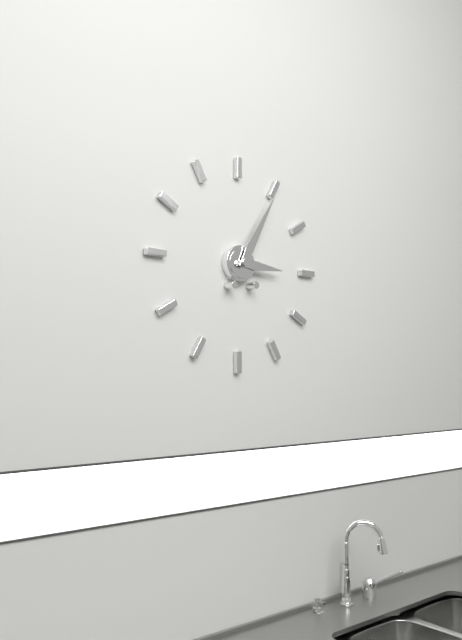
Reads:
h=3 m=5
